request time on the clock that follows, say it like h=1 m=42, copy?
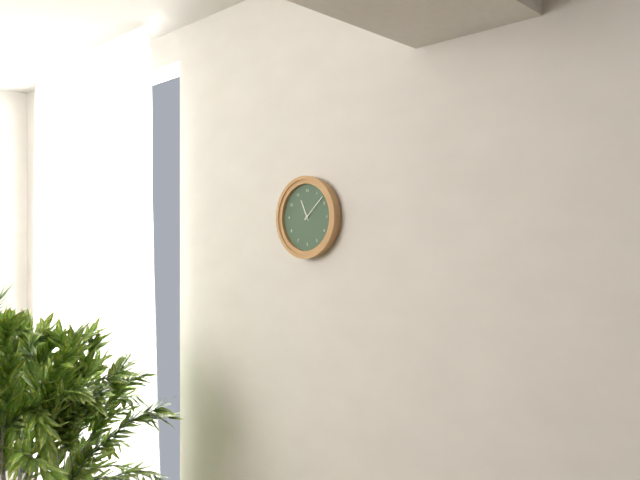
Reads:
h=11 m=8
